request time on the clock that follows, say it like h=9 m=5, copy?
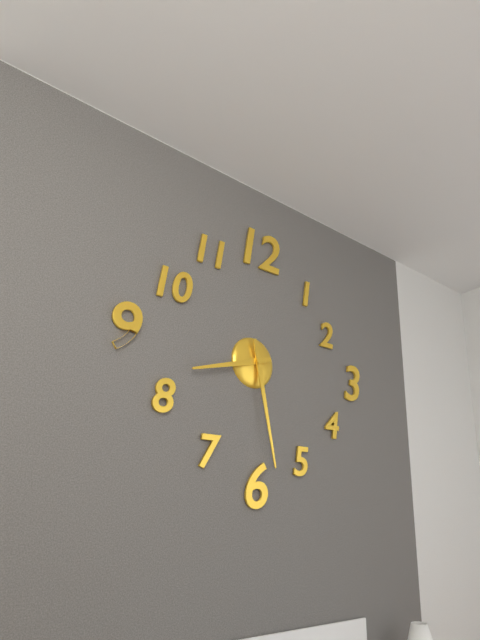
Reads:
h=8 m=28
